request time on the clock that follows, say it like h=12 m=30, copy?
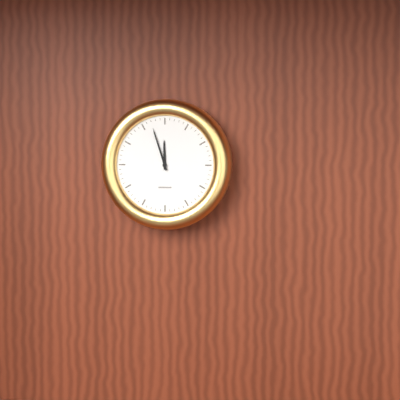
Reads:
h=11 m=57
